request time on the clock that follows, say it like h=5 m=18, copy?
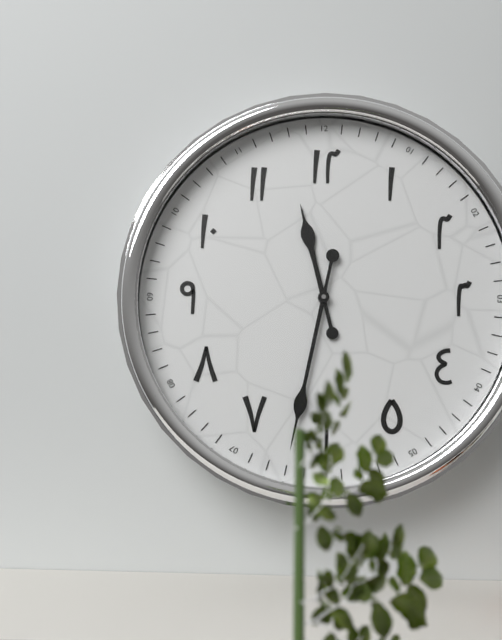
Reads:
h=11 m=32
